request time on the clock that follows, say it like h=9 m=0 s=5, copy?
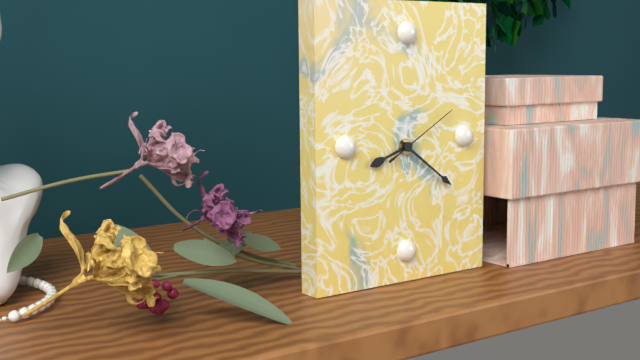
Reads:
h=8 m=21 s=10
